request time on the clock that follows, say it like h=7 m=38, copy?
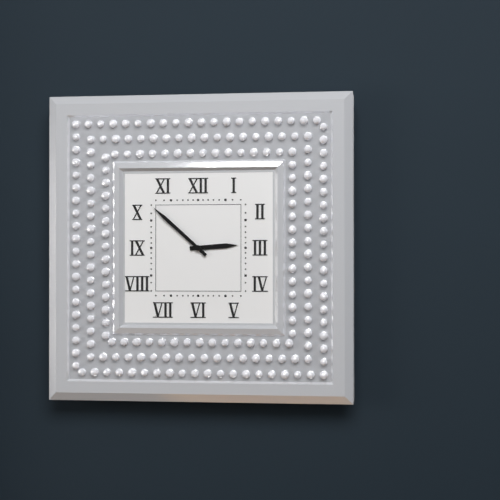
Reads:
h=2 m=52
